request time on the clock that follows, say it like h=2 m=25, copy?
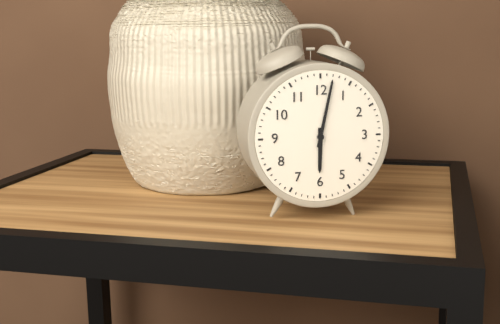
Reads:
h=6 m=2
